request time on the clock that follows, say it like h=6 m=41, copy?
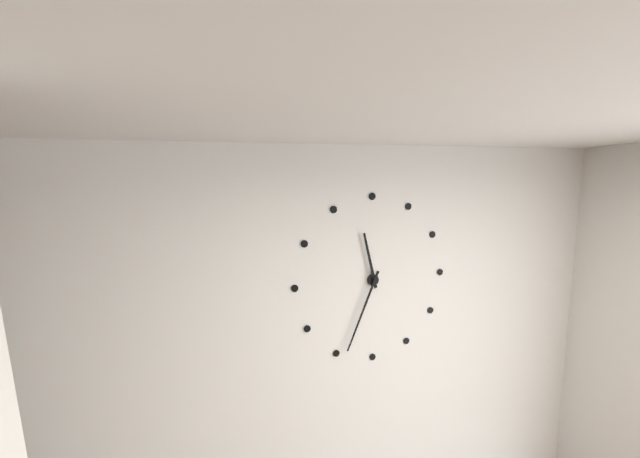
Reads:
h=11 m=34
